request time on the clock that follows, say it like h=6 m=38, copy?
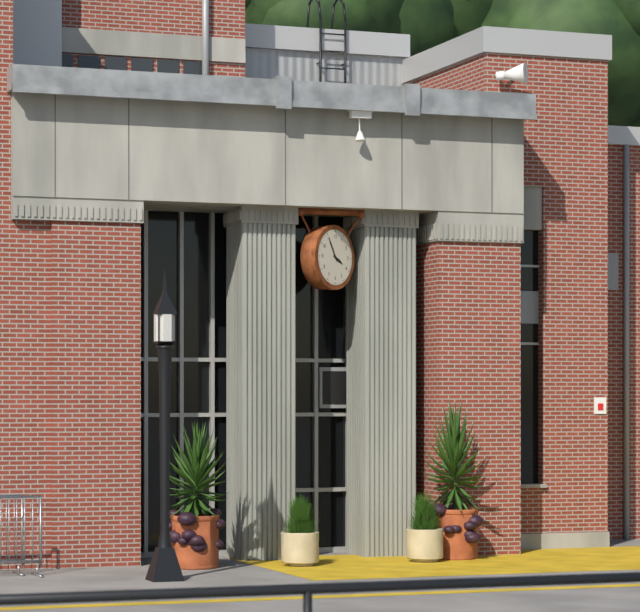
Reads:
h=3 m=55
